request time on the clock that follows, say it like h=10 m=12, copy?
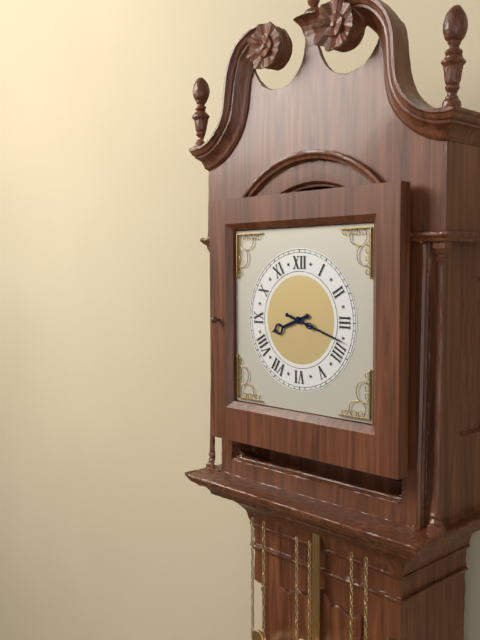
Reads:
h=8 m=18
